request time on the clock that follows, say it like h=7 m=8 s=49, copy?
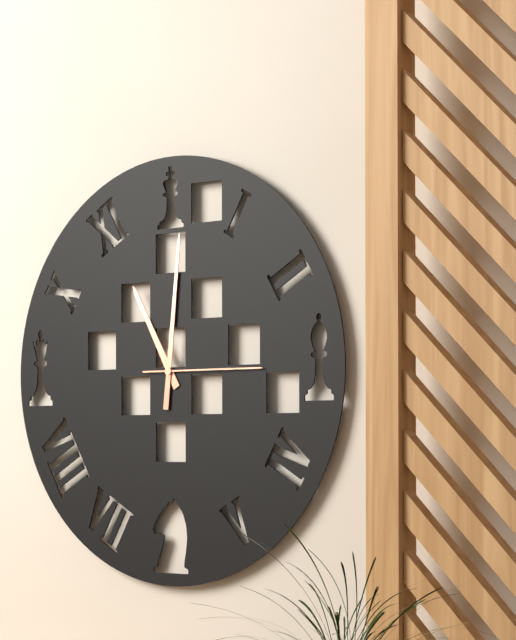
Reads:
h=11 m=1 s=15
